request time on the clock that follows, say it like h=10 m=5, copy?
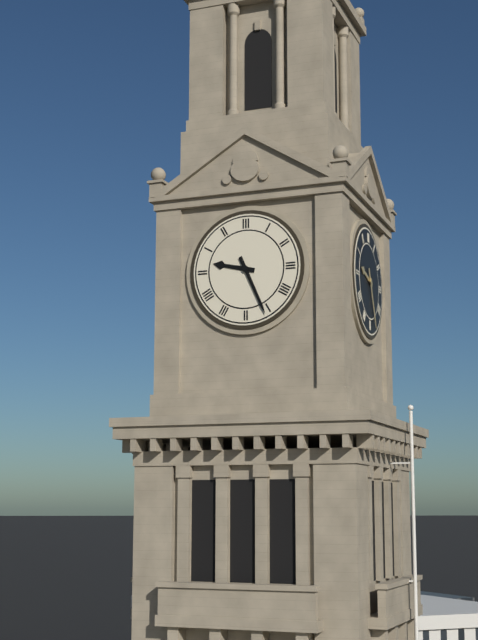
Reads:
h=9 m=26
